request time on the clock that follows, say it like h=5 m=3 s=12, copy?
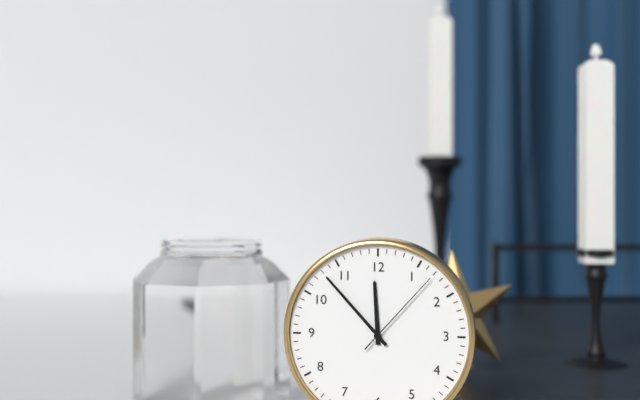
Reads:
h=11 m=53 s=7
